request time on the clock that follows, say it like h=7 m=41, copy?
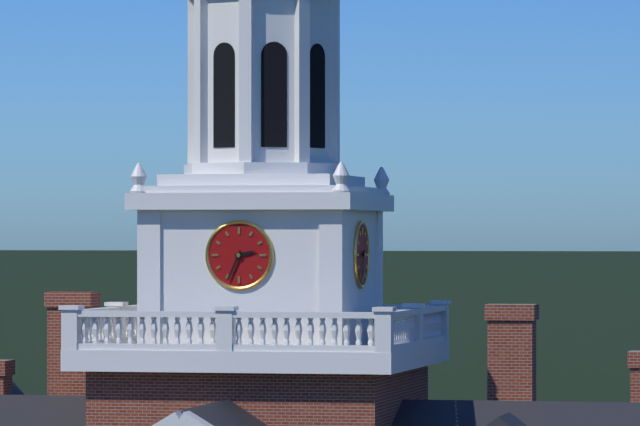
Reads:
h=2 m=34
